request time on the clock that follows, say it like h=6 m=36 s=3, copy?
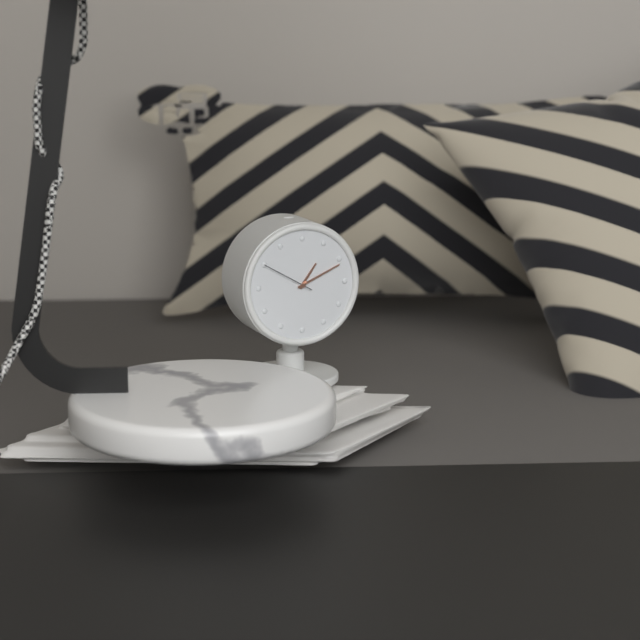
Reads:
h=1 m=11 s=50
